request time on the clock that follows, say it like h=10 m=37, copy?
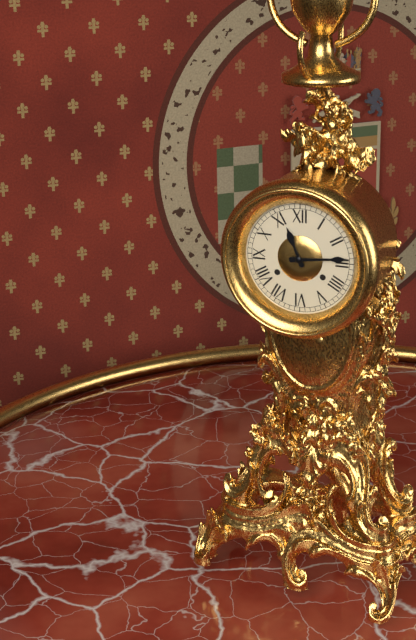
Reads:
h=11 m=14
